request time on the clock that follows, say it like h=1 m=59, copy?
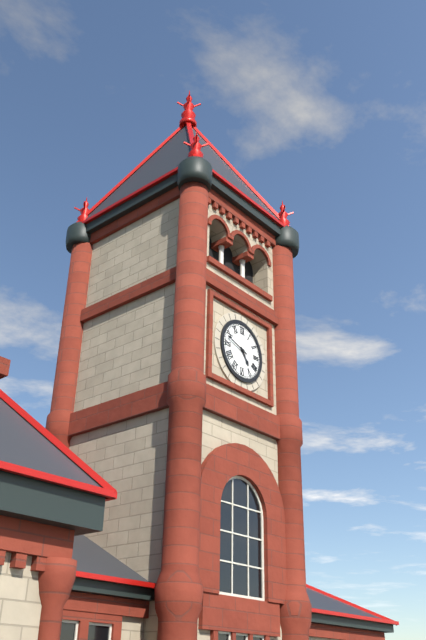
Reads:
h=4 m=48
